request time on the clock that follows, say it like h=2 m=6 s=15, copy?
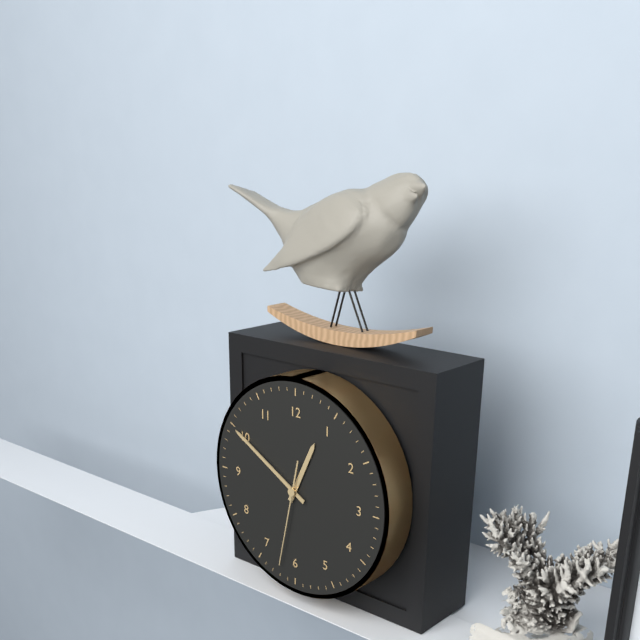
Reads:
h=12 m=50 s=32
